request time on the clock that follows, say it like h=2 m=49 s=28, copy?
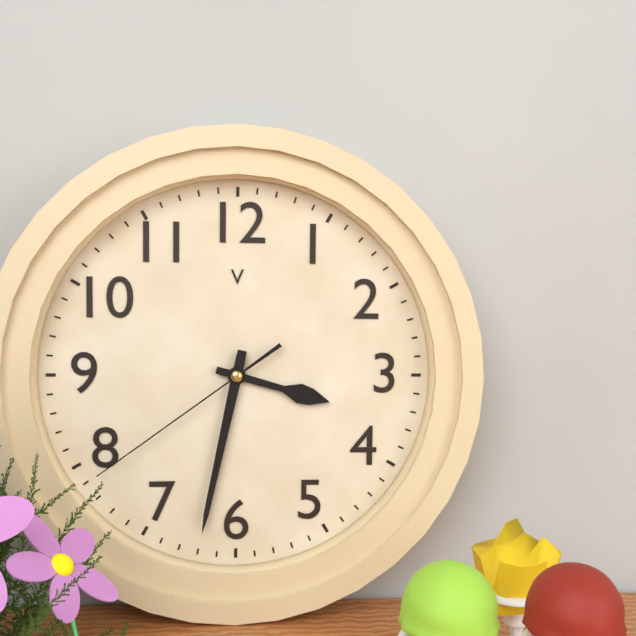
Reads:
h=3 m=32 s=39
